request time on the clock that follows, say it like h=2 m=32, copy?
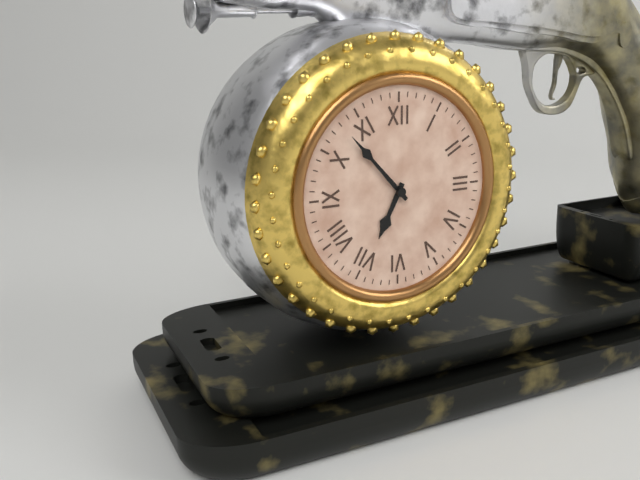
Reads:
h=6 m=53
